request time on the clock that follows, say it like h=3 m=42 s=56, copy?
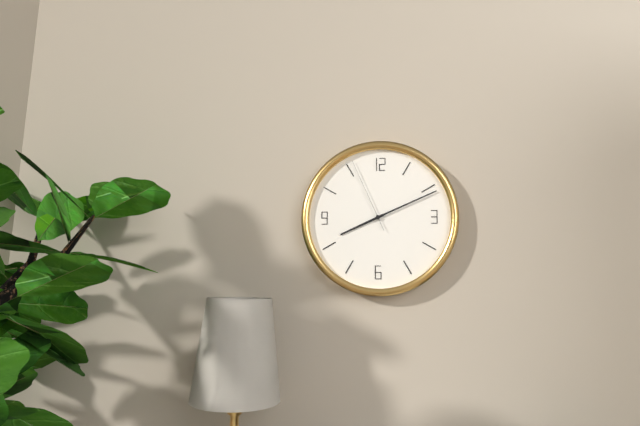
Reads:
h=8 m=11 s=56
